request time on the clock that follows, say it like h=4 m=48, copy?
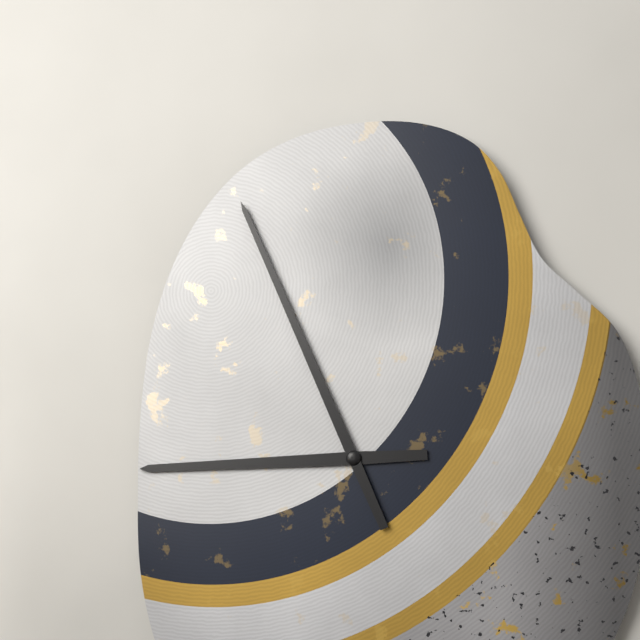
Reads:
h=8 m=56
